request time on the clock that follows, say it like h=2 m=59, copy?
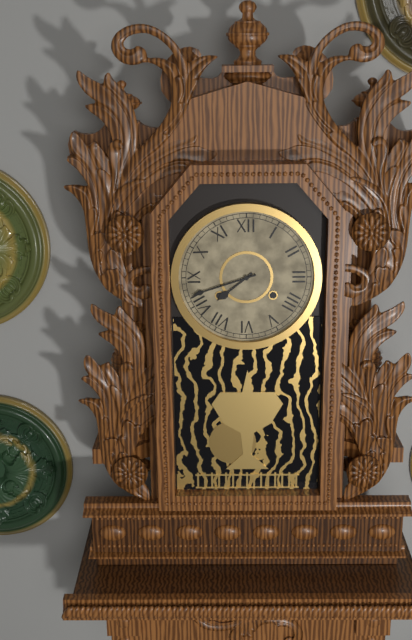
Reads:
h=7 m=42
